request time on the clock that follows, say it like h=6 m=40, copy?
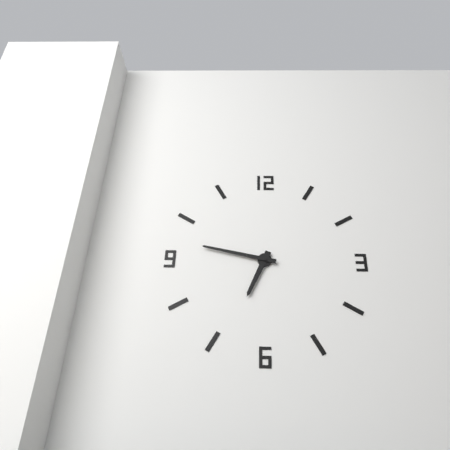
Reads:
h=6 m=47
